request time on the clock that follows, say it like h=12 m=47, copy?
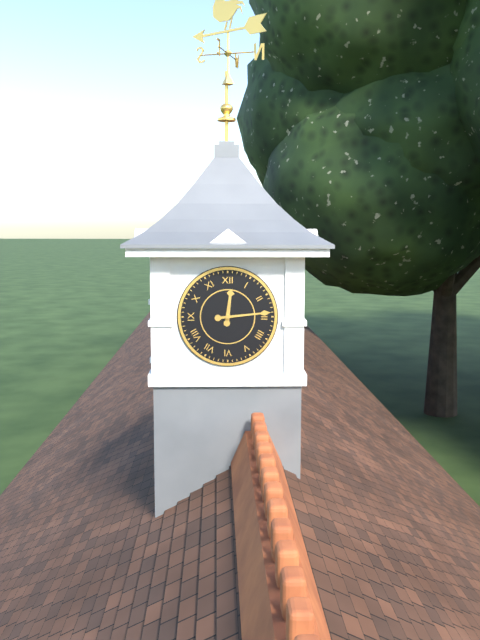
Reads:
h=12 m=14
